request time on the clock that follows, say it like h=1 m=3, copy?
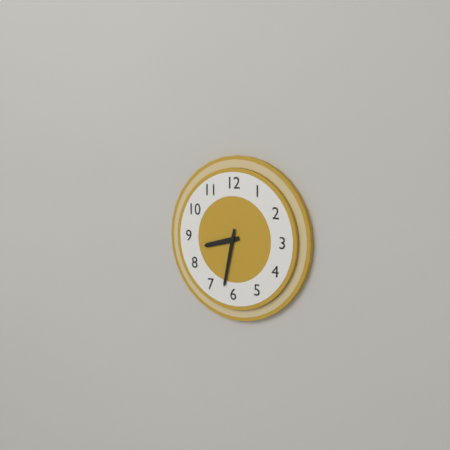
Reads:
h=8 m=32
